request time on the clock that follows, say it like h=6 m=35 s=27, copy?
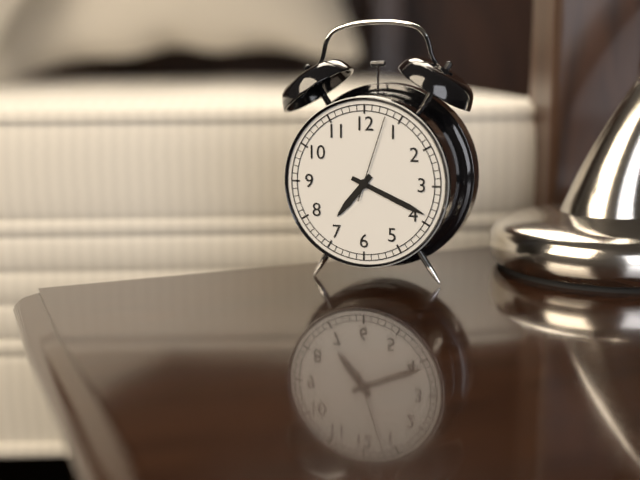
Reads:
h=7 m=19 s=3
